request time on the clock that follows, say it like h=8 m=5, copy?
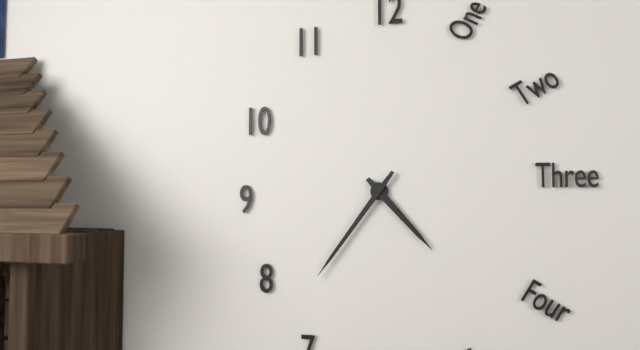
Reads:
h=4 m=36
